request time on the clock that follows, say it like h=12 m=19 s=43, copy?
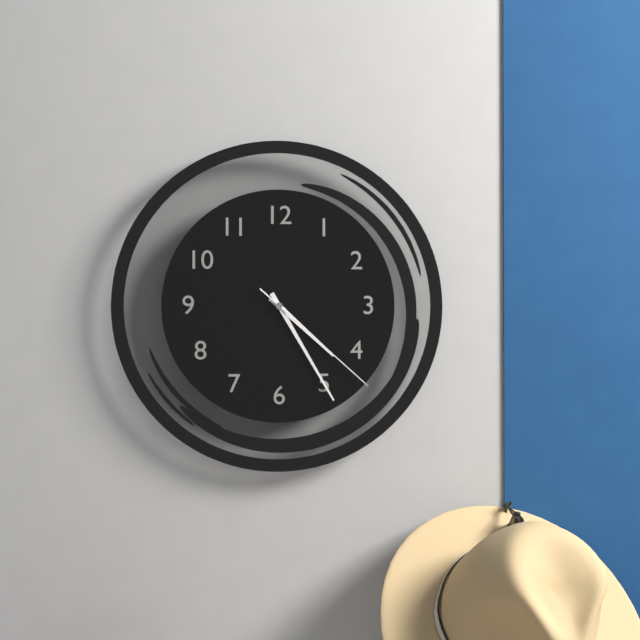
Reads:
h=4 m=25 s=22
